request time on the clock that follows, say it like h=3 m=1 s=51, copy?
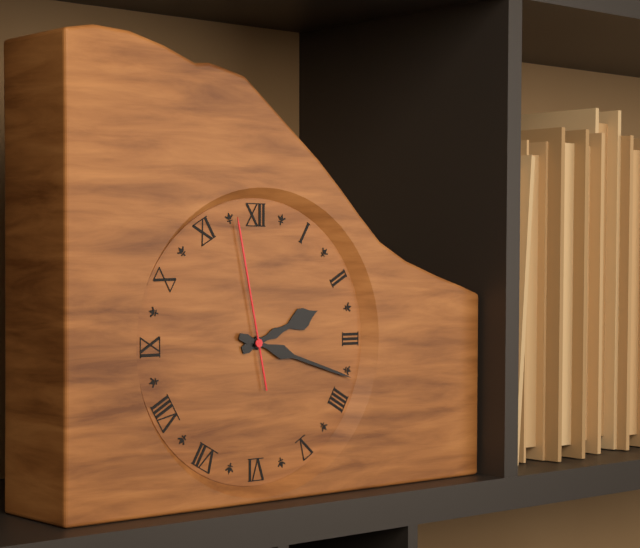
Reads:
h=2 m=18 s=58
